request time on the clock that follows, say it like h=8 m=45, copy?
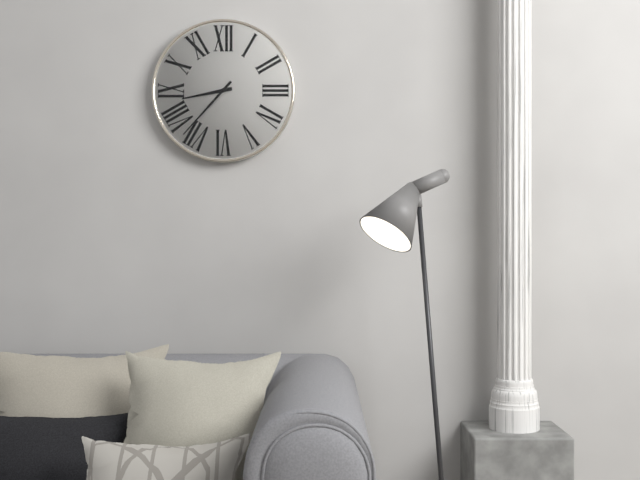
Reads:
h=8 m=37
